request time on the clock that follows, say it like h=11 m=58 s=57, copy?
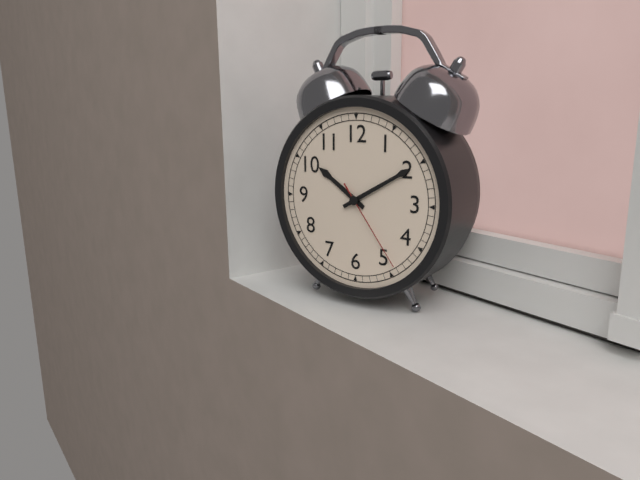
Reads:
h=10 m=10 s=24
